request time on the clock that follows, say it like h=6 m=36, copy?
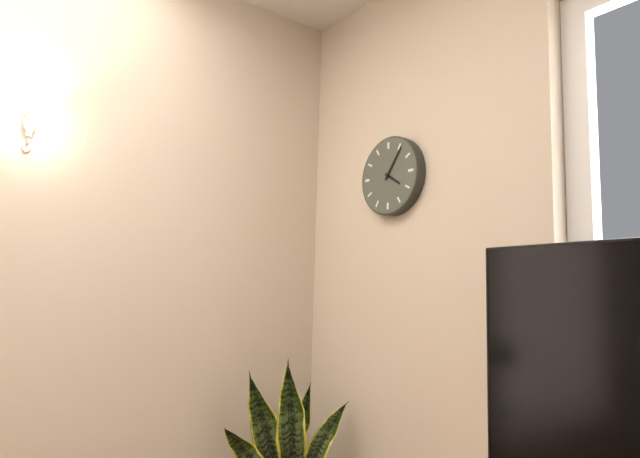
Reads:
h=4 m=6
